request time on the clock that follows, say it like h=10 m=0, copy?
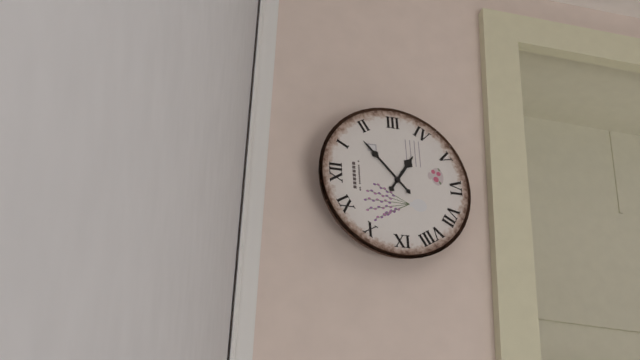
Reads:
h=4 m=8
